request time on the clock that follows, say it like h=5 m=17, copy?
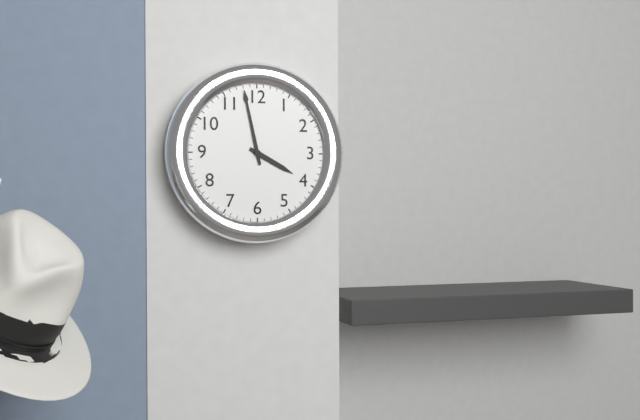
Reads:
h=3 m=58
